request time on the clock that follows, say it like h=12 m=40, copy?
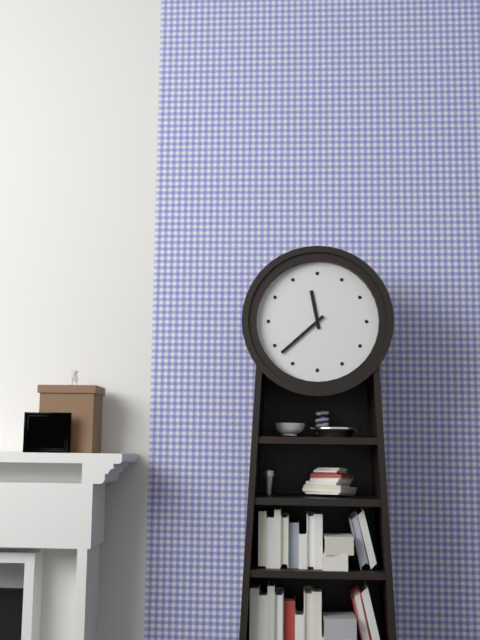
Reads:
h=11 m=38
